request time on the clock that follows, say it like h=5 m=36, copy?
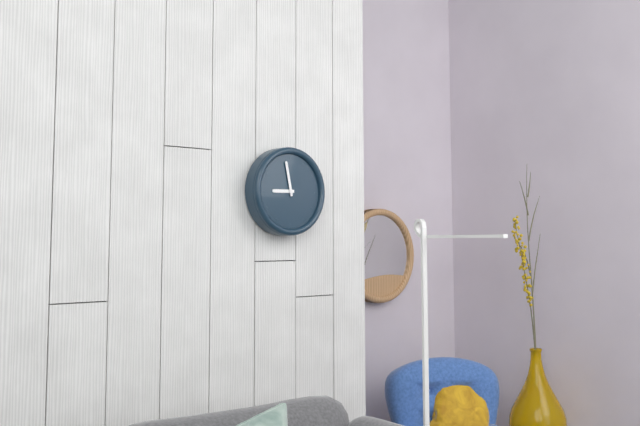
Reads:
h=8 m=58
